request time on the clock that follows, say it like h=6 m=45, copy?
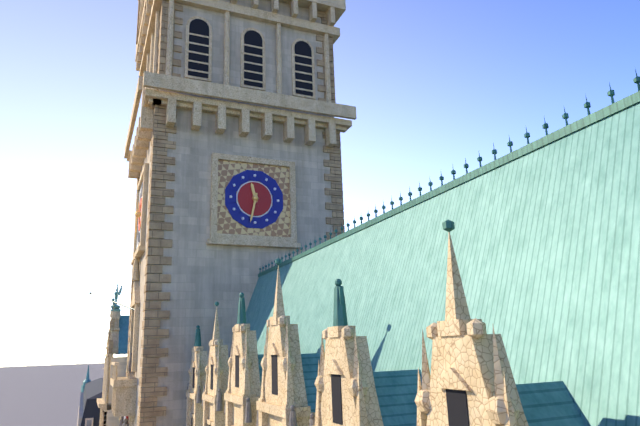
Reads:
h=11 m=32
